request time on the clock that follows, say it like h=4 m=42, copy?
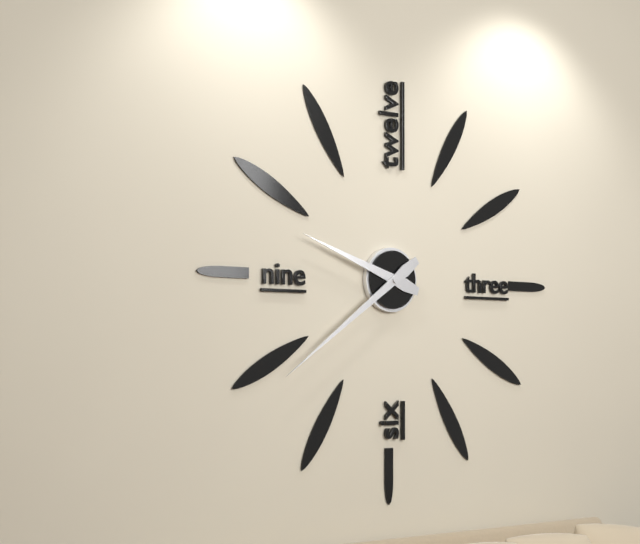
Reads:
h=9 m=39
